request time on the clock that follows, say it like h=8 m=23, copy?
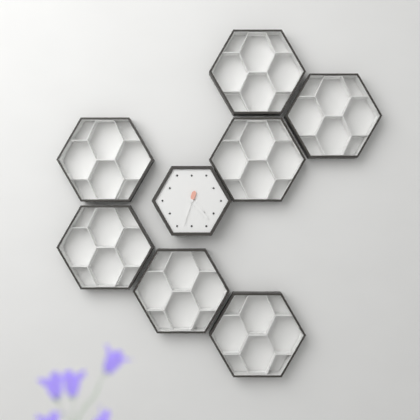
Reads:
h=4 m=23
